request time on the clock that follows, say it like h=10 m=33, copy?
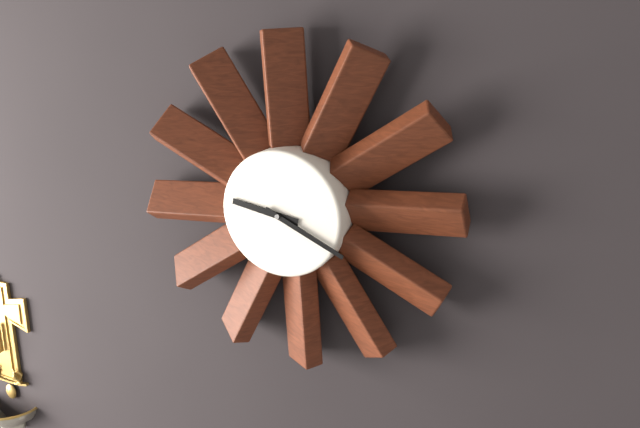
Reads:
h=9 m=19
